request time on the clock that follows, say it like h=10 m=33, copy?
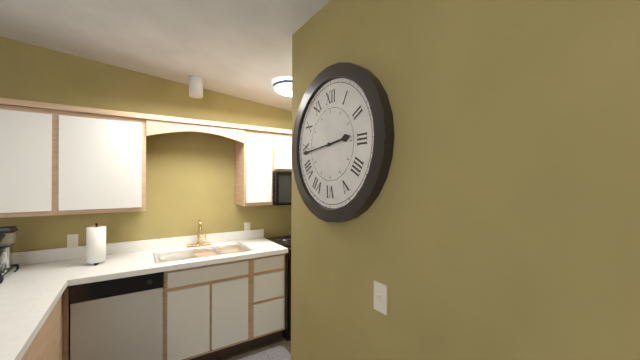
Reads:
h=2 m=44
